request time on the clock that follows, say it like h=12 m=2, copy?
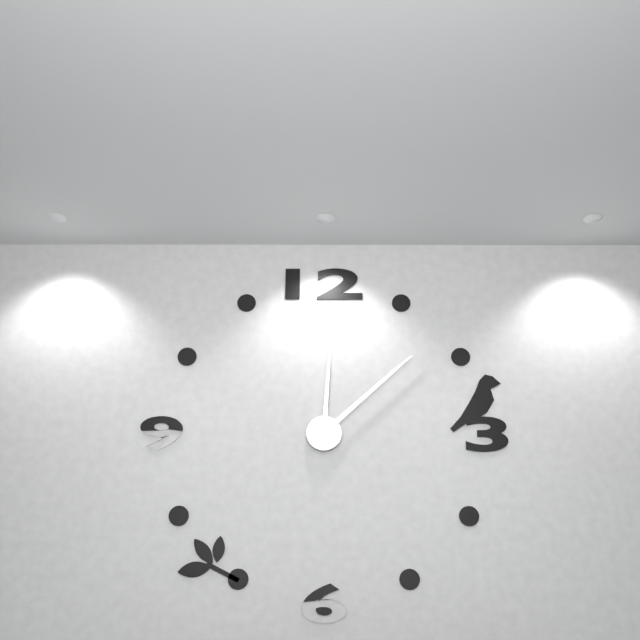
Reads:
h=12 m=8
